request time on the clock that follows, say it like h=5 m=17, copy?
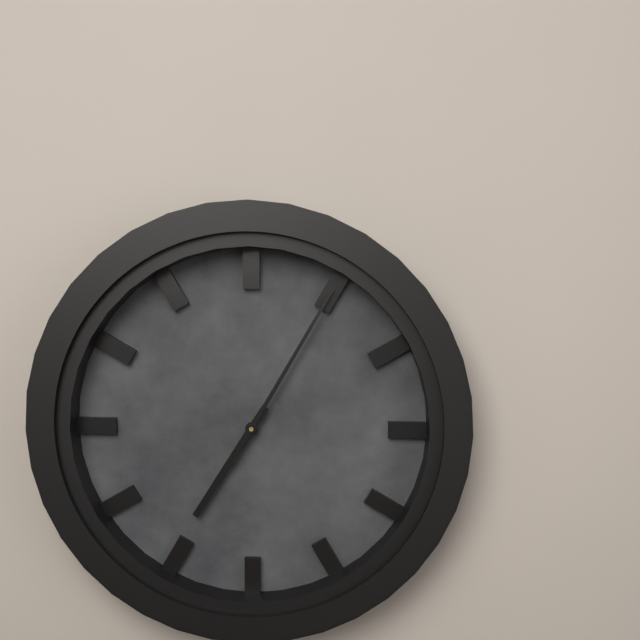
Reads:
h=7 m=5
